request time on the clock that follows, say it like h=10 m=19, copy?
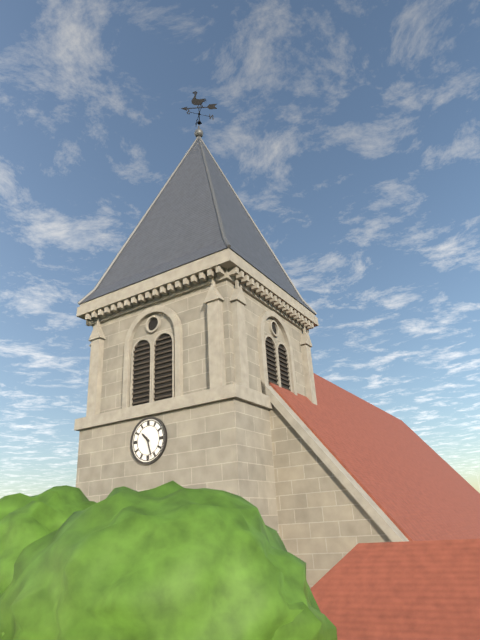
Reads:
h=10 m=27
